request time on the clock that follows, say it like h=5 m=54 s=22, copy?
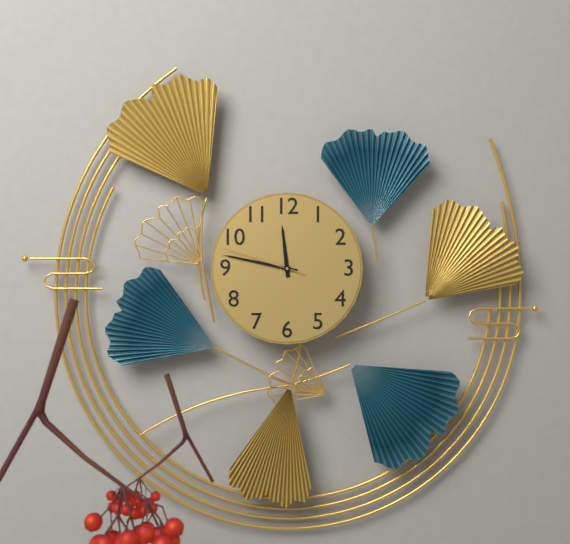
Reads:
h=11 m=47 s=48
